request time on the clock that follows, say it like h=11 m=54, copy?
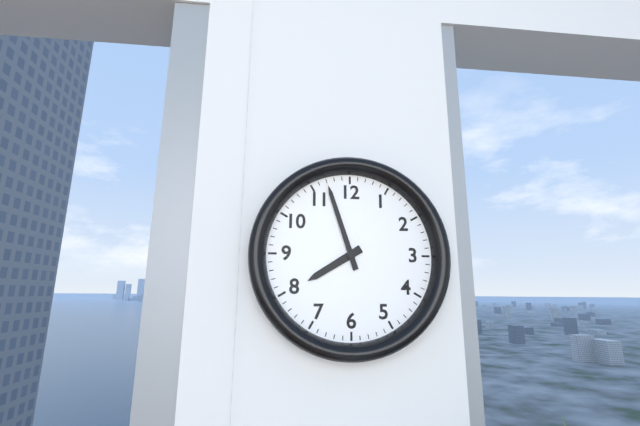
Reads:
h=7 m=57
